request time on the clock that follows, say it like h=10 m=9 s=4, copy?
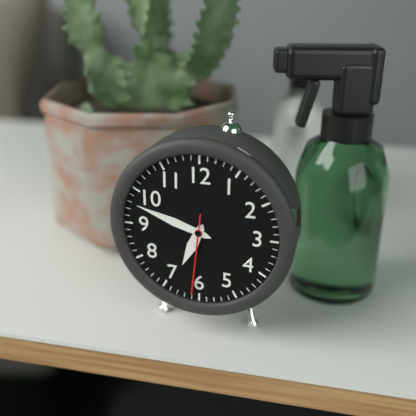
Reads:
h=6 m=48 s=31
